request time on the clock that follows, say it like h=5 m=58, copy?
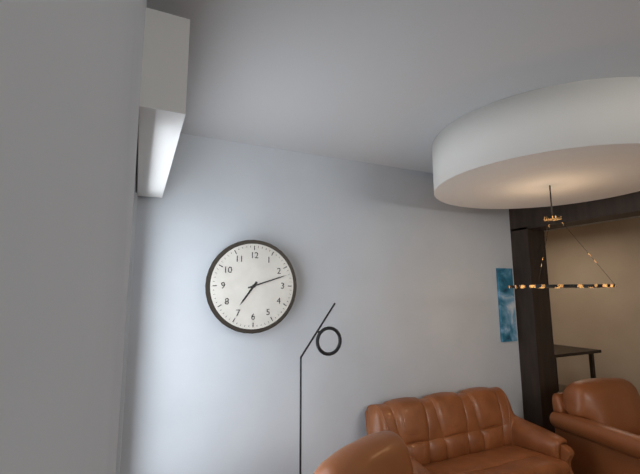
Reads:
h=7 m=12
